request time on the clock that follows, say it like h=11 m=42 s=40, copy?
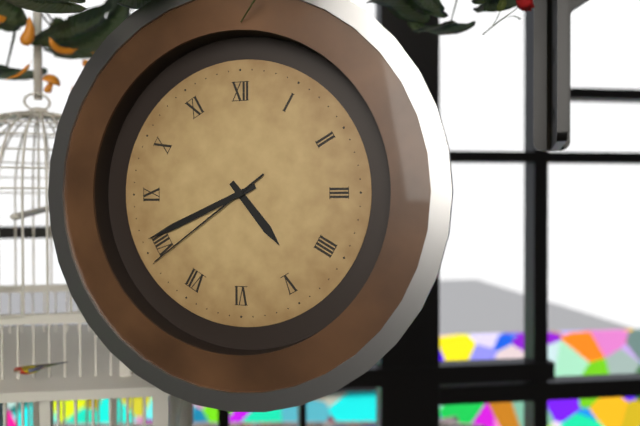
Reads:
h=4 m=41 s=39
